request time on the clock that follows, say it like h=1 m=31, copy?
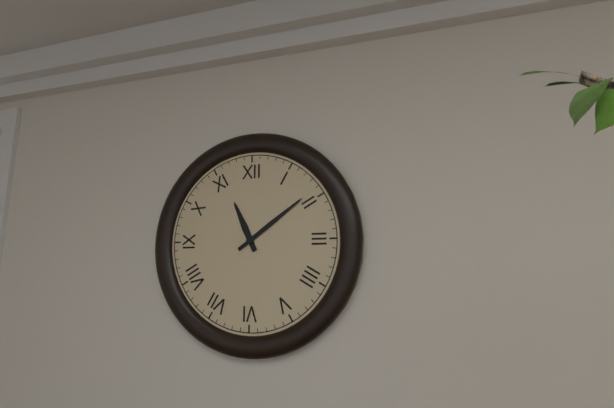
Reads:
h=11 m=9
